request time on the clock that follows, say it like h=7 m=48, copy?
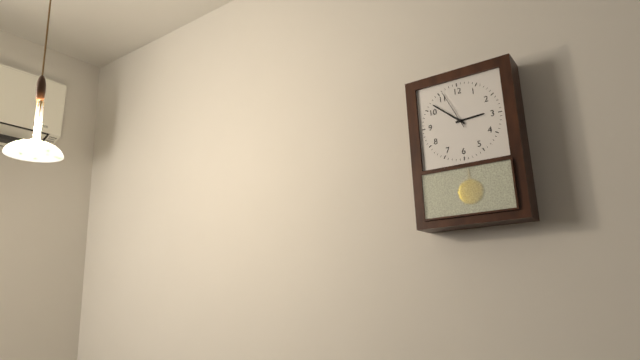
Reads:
h=2 m=52
